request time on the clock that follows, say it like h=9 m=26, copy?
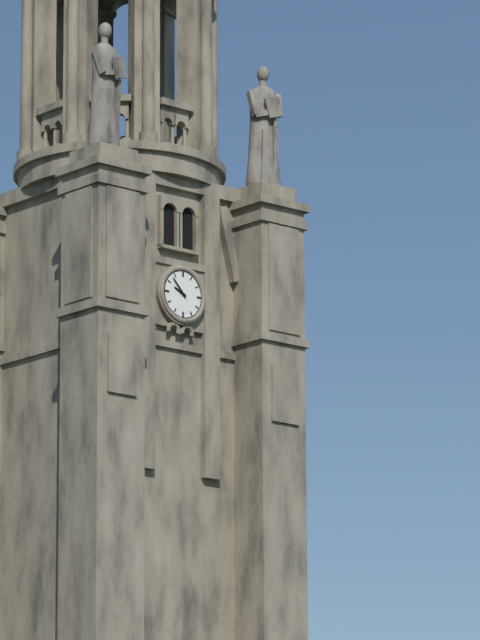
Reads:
h=9 m=53
